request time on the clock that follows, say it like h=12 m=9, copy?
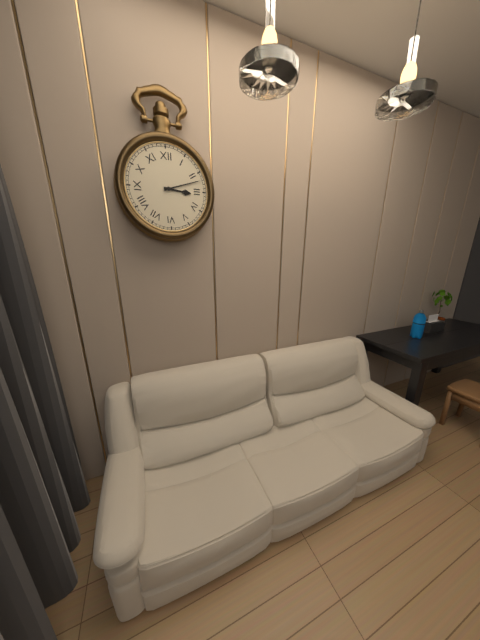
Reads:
h=3 m=12
